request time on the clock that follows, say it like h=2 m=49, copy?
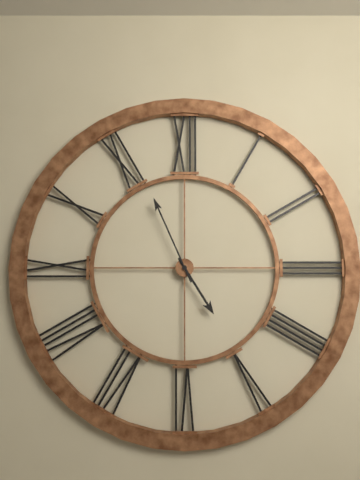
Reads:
h=4 m=56
